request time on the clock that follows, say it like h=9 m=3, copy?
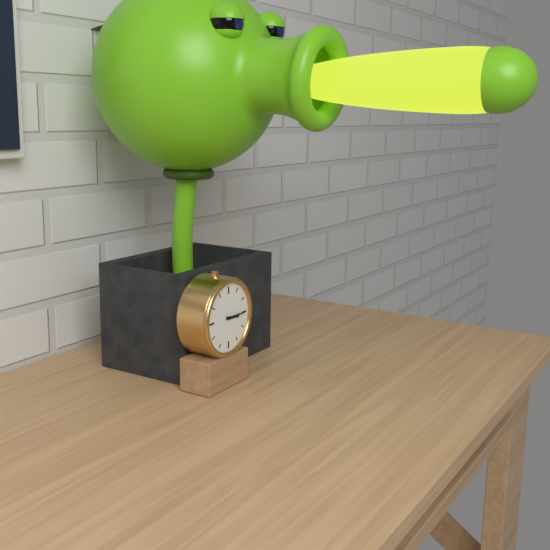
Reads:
h=3 m=15
